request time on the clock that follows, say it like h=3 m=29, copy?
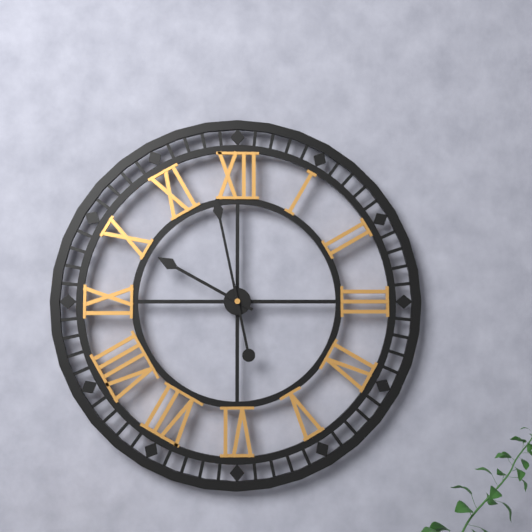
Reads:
h=9 m=58
